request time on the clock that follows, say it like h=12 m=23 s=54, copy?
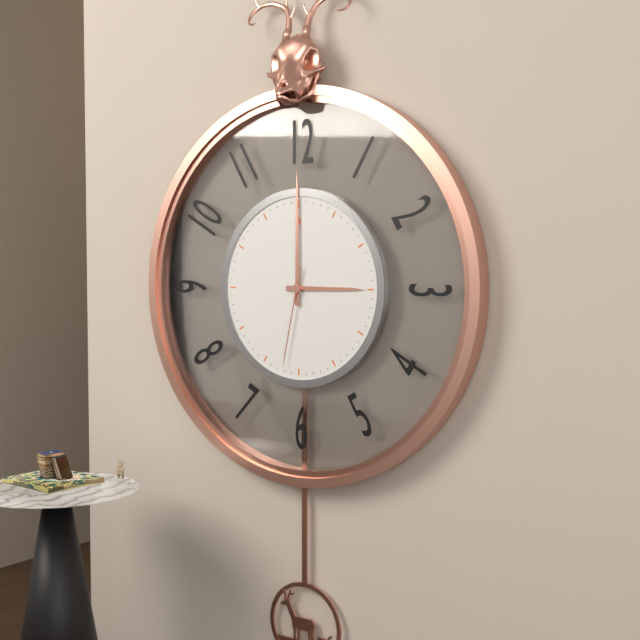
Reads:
h=3 m=0 s=32
